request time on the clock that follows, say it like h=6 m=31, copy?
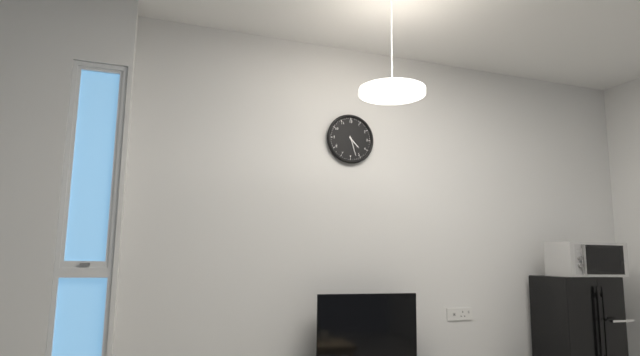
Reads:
h=4 m=27
